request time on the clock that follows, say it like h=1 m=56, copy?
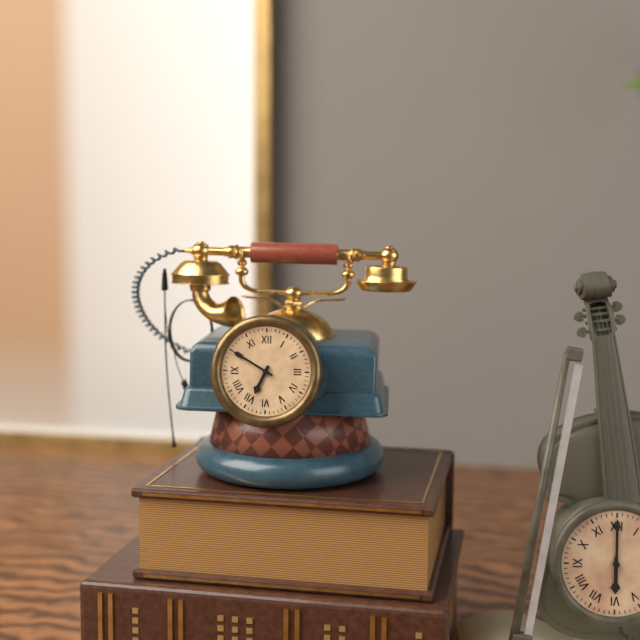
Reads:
h=6 m=50
